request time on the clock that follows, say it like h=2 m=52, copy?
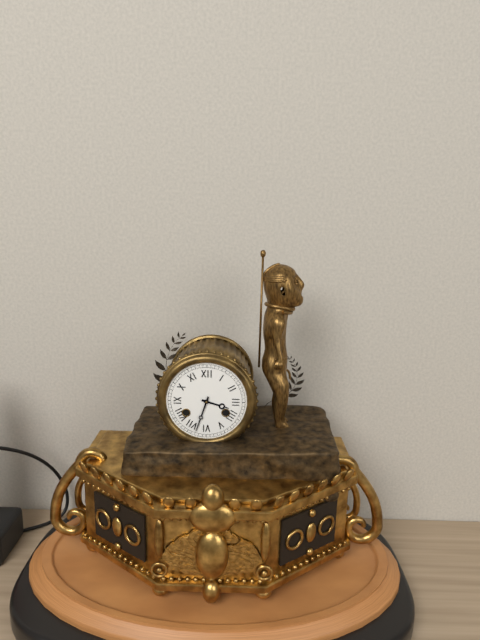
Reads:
h=3 m=33
